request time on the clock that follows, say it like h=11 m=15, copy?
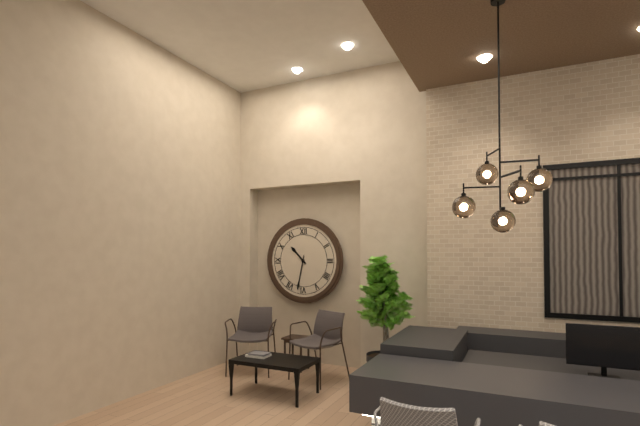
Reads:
h=10 m=32
